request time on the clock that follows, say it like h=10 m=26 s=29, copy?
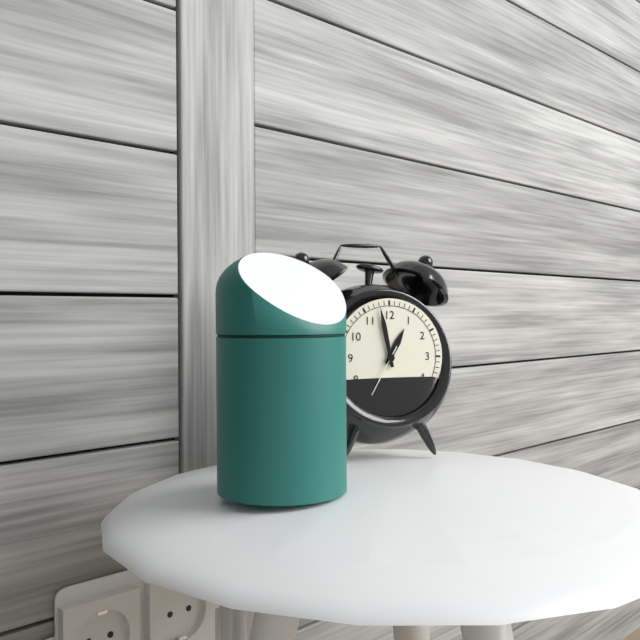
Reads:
h=12 m=58 s=35
